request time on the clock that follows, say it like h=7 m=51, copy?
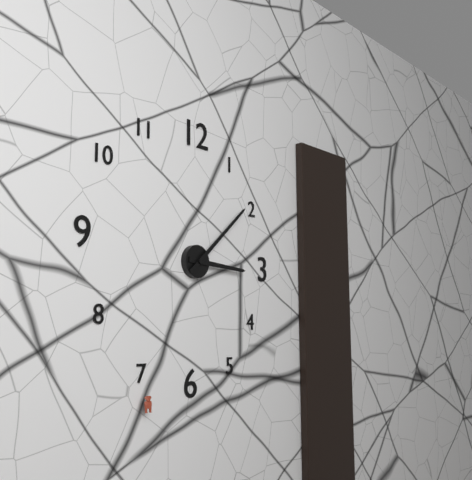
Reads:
h=3 m=8
